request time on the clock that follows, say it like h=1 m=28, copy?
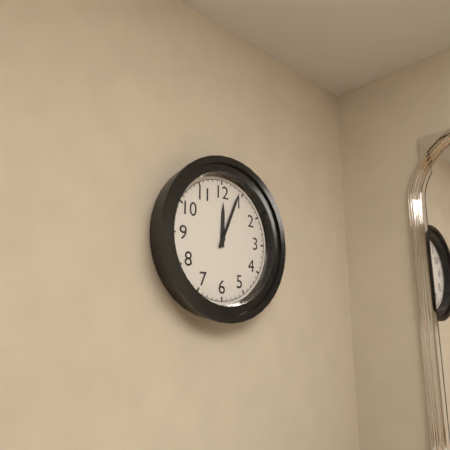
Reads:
h=12 m=4
